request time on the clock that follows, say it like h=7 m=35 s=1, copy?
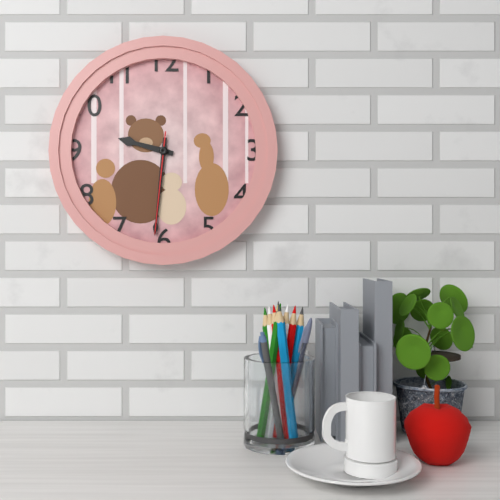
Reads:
h=9 m=31 s=31
